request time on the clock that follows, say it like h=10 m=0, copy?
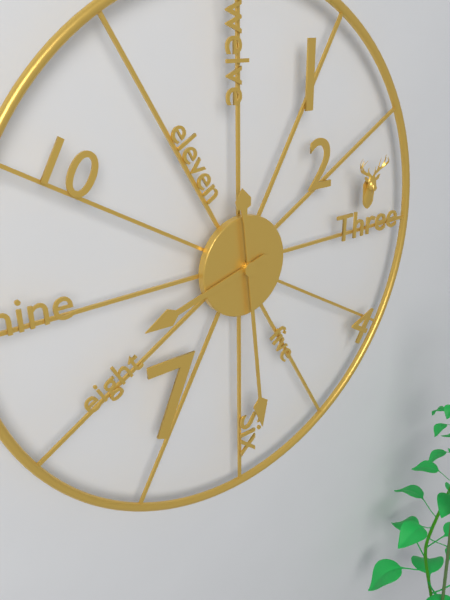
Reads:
h=8 m=29
